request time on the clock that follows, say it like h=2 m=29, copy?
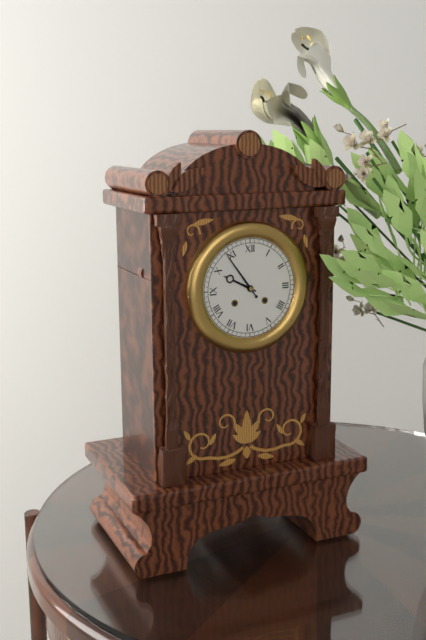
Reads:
h=9 m=54
